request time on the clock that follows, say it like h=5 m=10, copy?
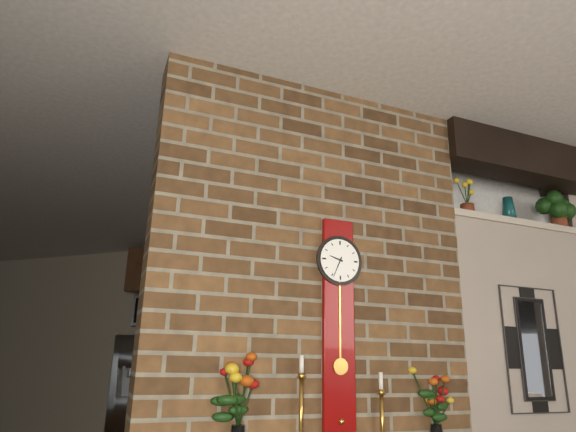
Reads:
h=9 m=34
